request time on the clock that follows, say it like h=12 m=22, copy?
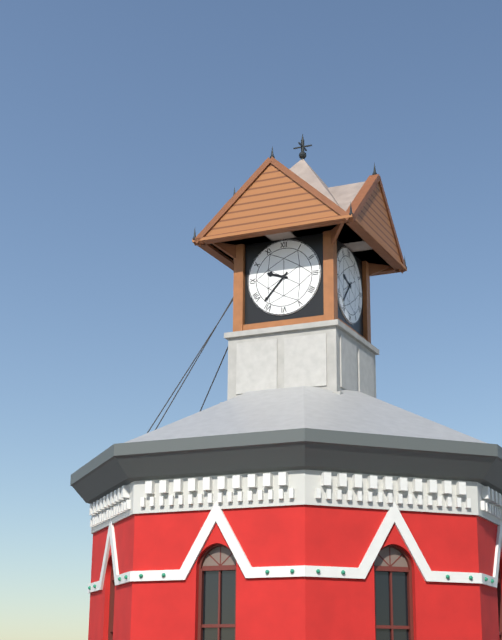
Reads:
h=9 m=37
